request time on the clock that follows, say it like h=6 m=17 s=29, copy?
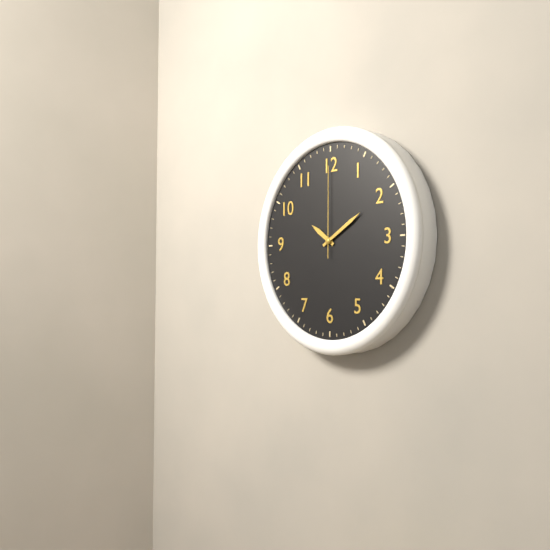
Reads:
h=10 m=10 s=0
